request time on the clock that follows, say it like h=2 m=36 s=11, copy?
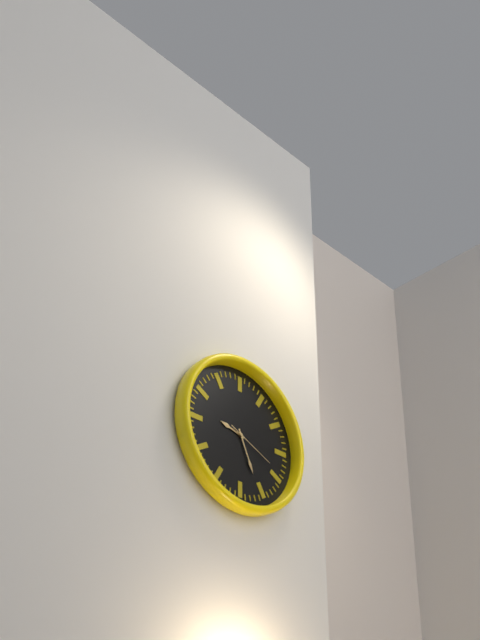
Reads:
h=9 m=26 s=19
